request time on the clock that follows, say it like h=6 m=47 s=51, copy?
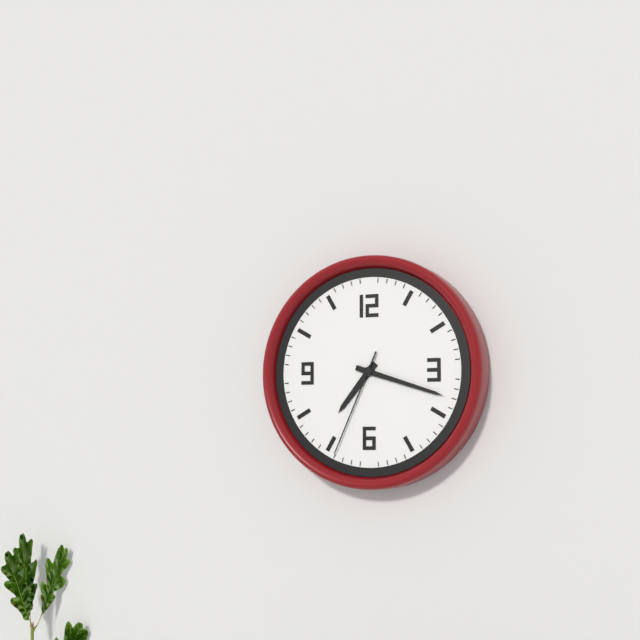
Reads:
h=7 m=18 s=34
